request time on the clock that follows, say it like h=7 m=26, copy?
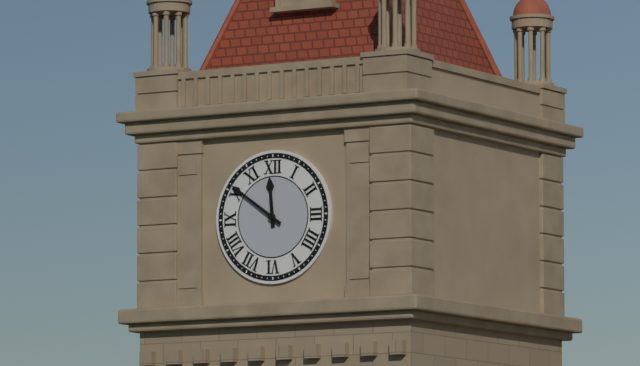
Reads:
h=11 m=51
